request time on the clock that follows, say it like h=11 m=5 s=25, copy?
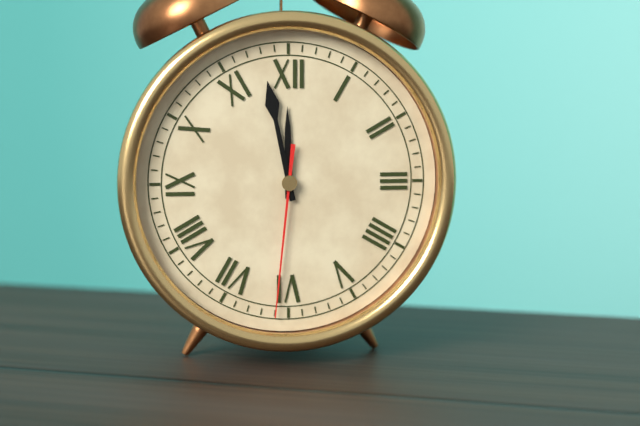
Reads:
h=11 m=58 s=31
